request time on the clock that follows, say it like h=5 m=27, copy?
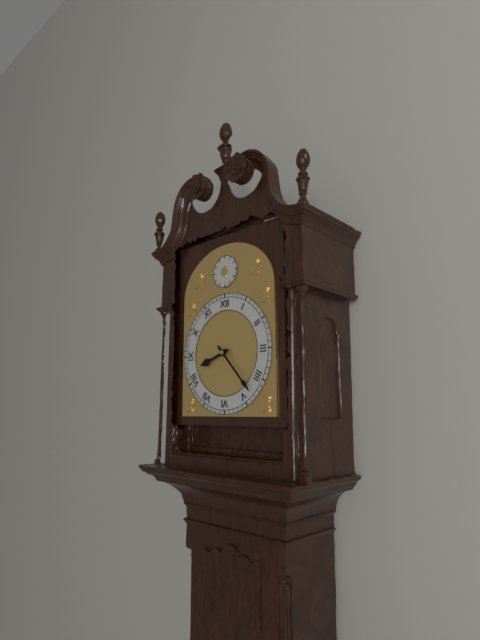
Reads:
h=8 m=23
